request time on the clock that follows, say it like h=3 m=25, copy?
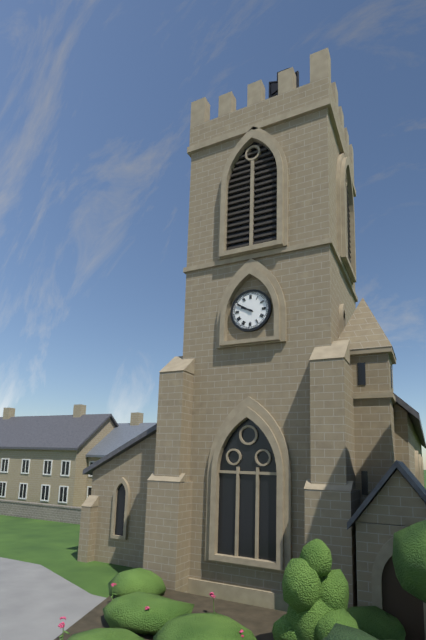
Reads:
h=9 m=50
